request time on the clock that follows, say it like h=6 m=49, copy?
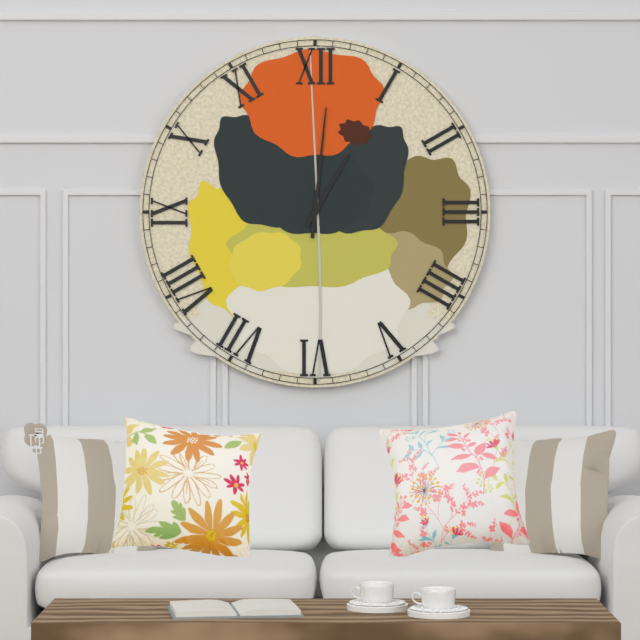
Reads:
h=1 m=1
